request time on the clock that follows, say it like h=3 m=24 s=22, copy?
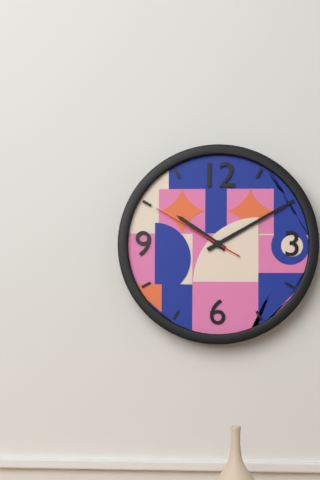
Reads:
h=10 m=10 s=50
